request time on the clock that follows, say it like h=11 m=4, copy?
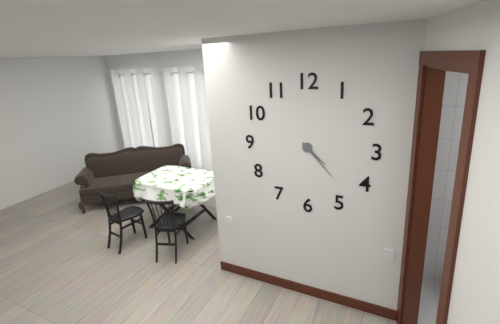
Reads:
h=4 m=23
